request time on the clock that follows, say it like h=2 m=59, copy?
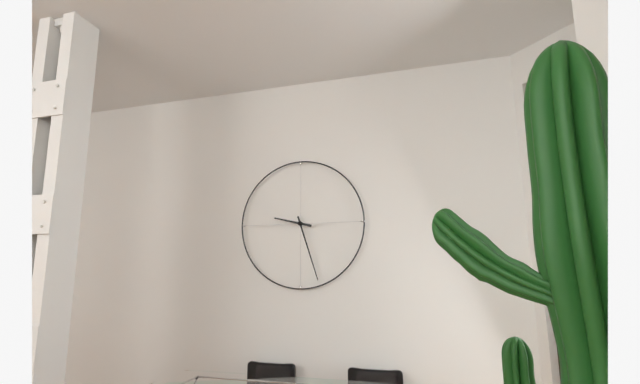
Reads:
h=9 m=27
